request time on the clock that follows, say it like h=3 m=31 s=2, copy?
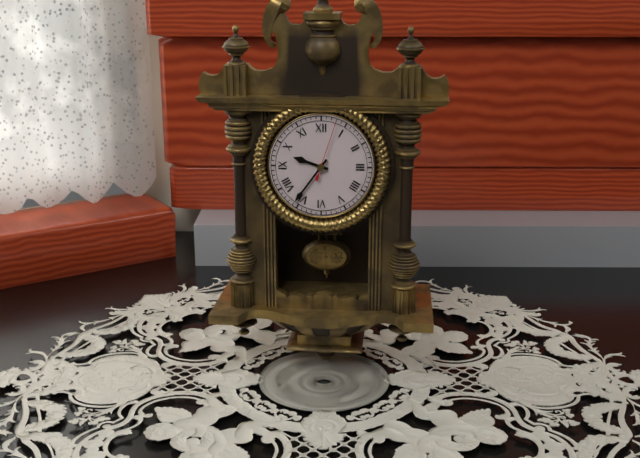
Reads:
h=9 m=36 s=3
